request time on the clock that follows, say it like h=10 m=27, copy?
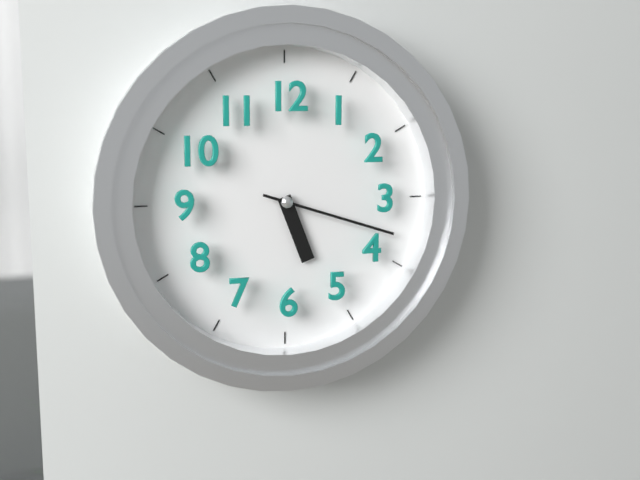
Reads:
h=5 m=18
